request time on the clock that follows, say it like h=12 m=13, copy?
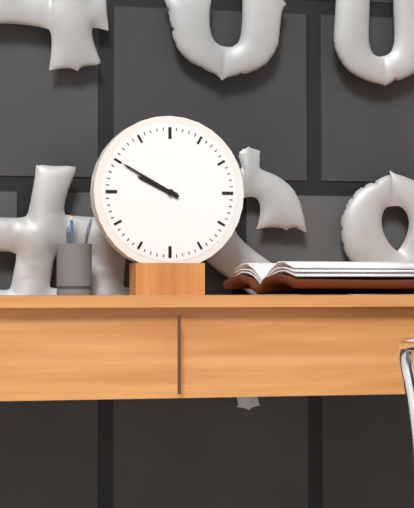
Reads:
h=9 m=50
